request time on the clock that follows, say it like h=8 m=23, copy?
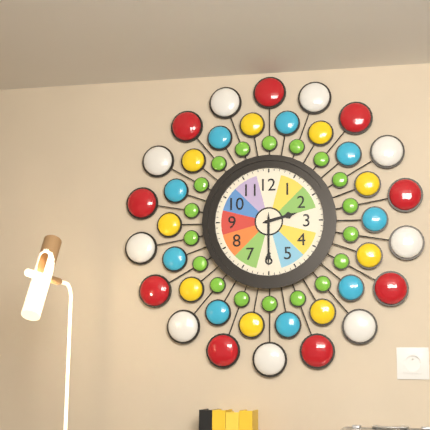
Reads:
h=2 m=30
